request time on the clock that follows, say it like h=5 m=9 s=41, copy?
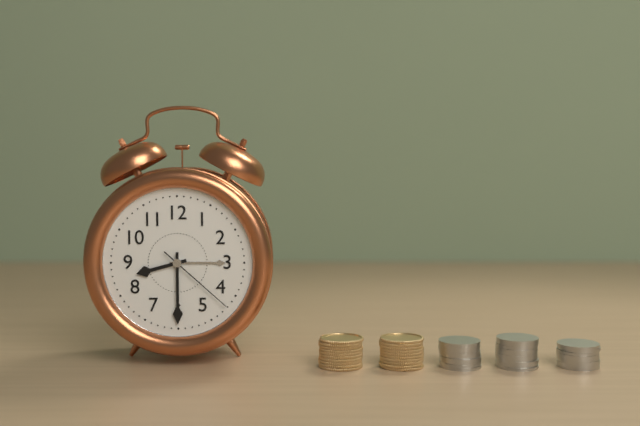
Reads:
h=8 m=30 s=22
